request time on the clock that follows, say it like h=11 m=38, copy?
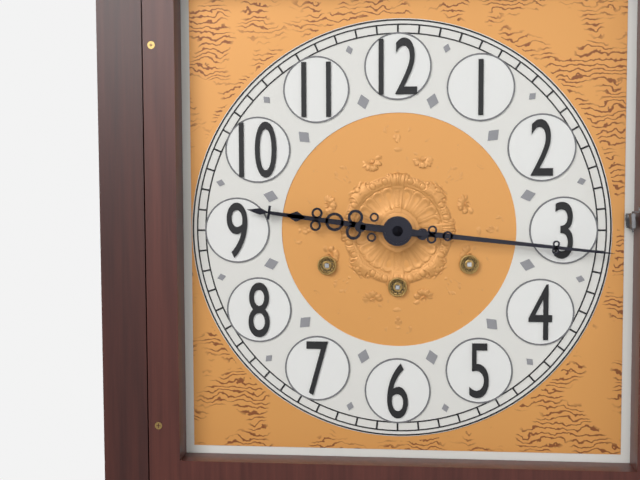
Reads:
h=9 m=16
